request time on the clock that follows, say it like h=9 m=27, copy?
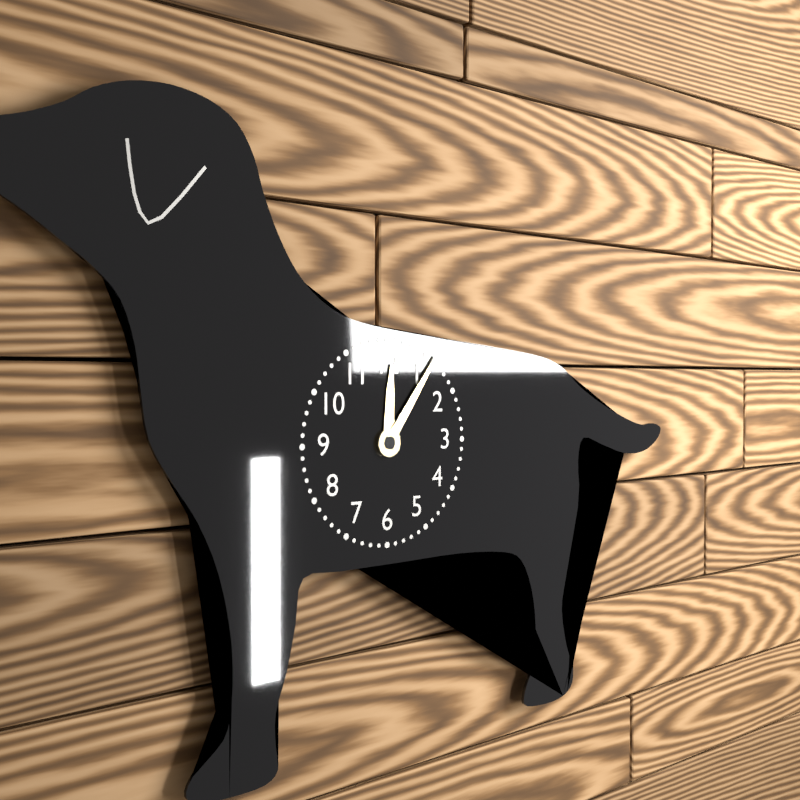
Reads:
h=12 m=6
